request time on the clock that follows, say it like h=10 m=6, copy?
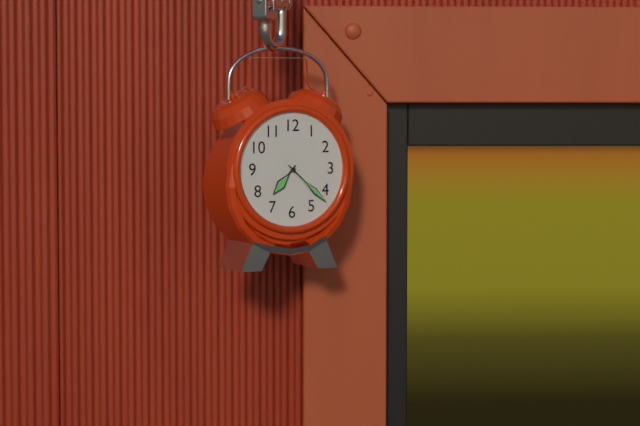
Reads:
h=7 m=22
